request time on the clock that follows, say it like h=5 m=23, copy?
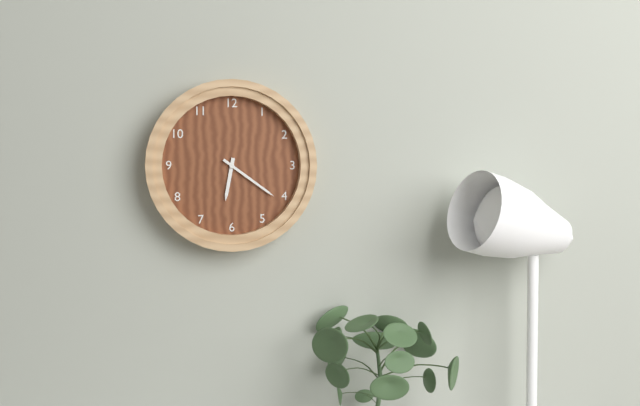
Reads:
h=6 m=21
